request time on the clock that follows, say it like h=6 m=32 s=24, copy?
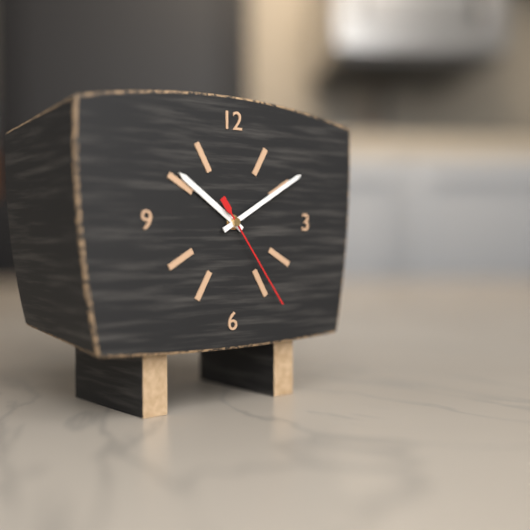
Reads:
h=10 m=10 s=24
